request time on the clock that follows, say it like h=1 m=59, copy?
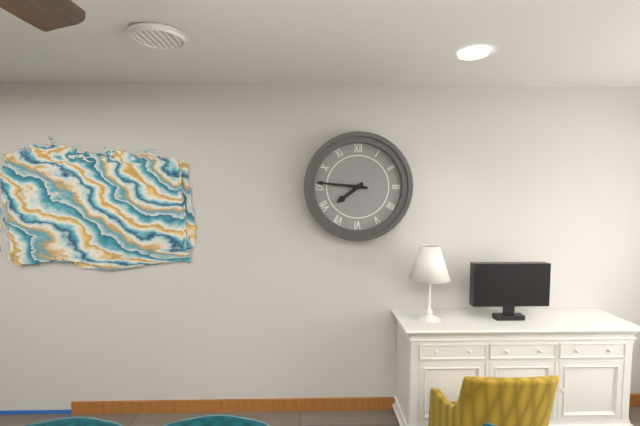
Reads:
h=7 m=46
